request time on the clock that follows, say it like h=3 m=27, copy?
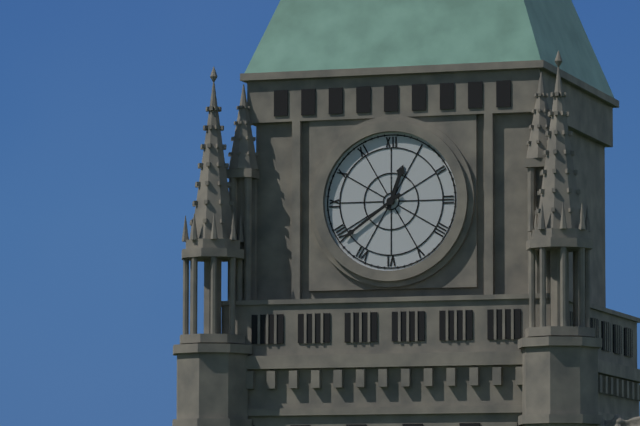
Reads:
h=12 m=39
